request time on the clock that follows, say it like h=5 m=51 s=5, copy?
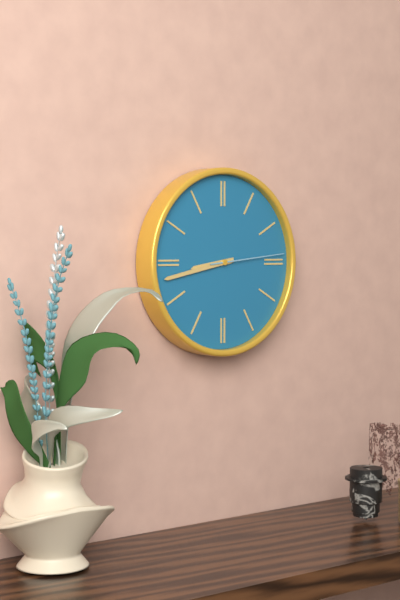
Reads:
h=8 m=43 s=14
